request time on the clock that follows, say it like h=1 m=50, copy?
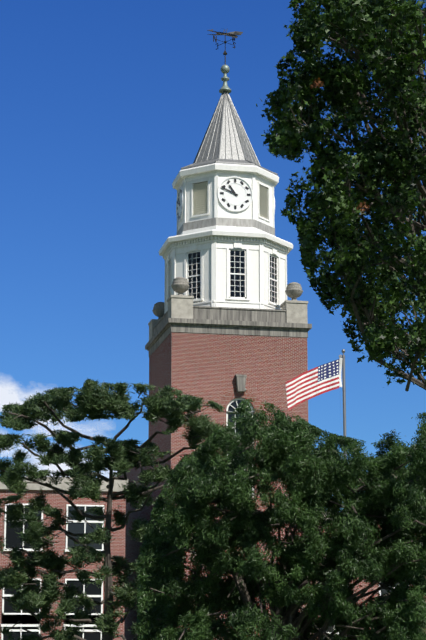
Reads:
h=10 m=49
